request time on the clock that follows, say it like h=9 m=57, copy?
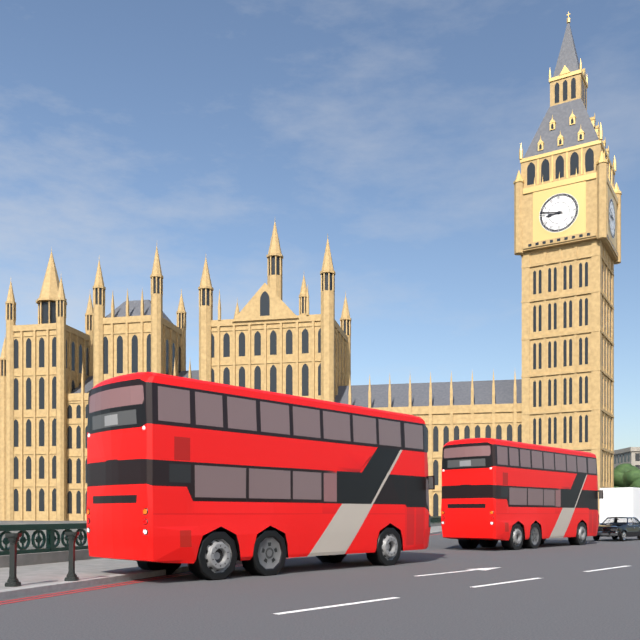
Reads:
h=8 m=47
